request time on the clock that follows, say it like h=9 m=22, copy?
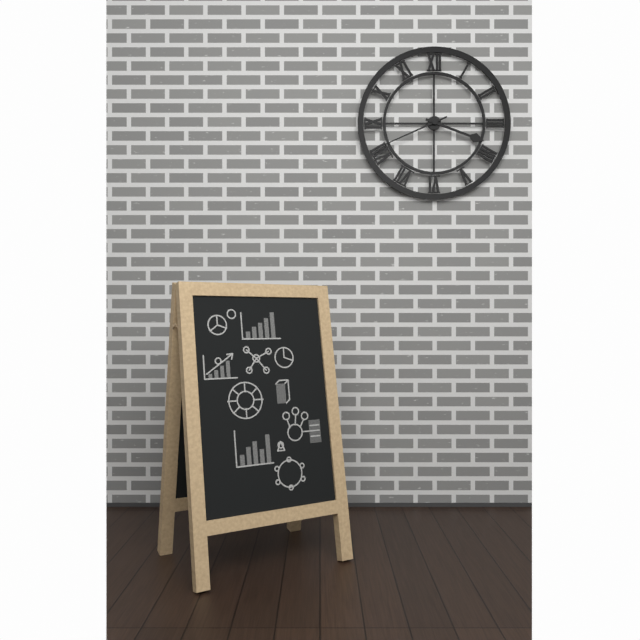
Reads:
h=3 m=41
